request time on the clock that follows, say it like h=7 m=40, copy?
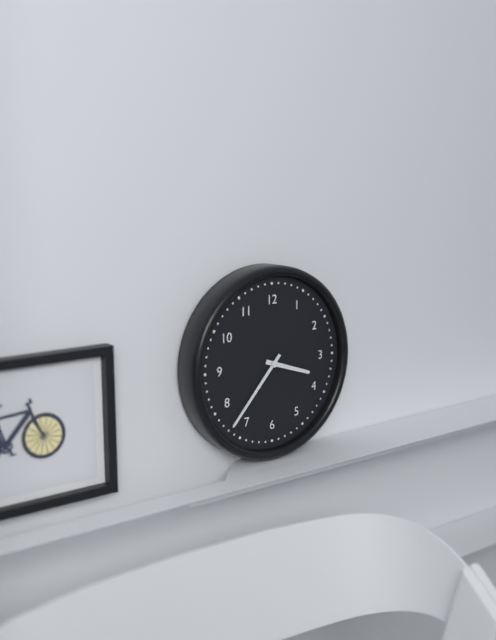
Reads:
h=3 m=37
